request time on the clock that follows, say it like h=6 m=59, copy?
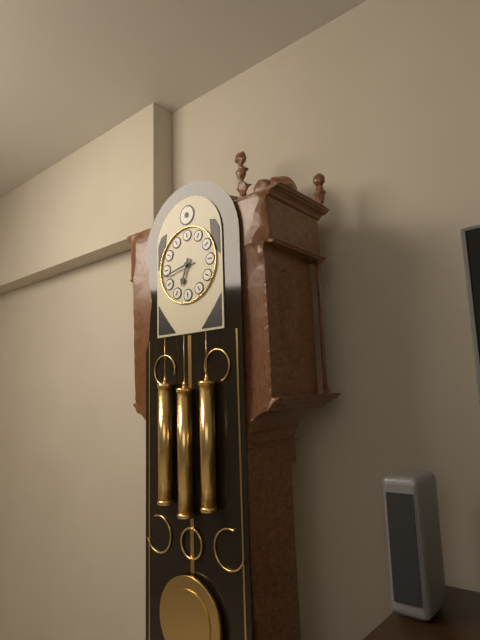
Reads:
h=6 m=43
